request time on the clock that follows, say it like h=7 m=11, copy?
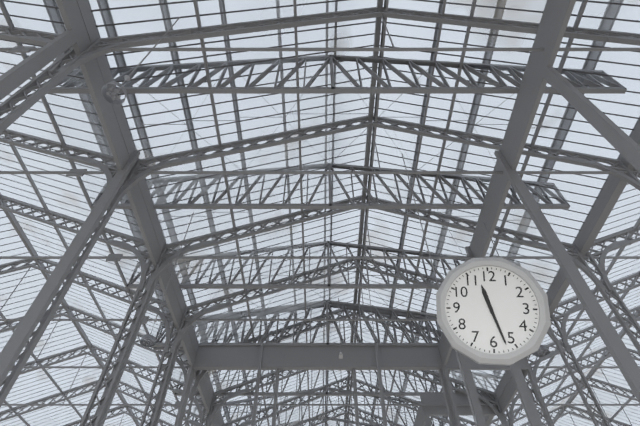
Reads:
h=11 m=27
